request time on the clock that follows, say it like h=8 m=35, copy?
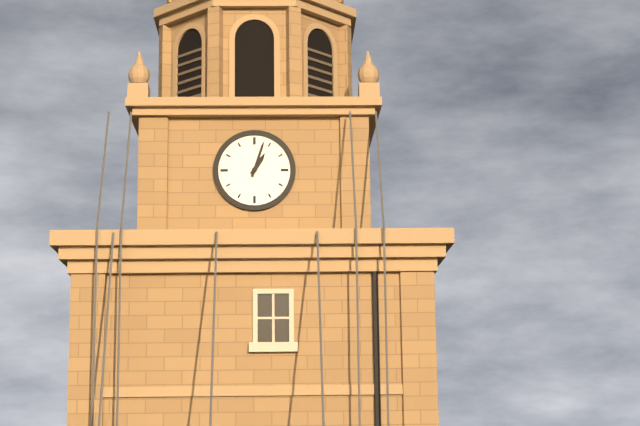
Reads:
h=1 m=3
